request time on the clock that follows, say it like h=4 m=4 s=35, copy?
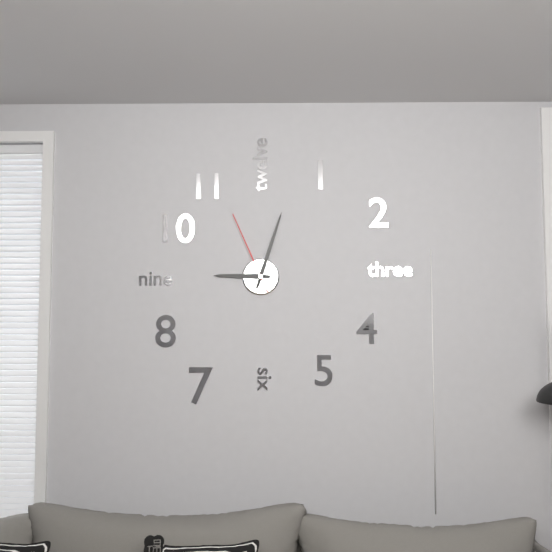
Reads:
h=9 m=3 s=56
